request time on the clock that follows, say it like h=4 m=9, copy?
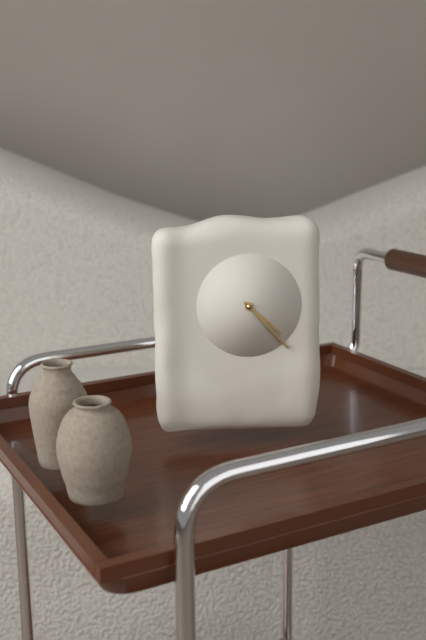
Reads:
h=4 m=23
